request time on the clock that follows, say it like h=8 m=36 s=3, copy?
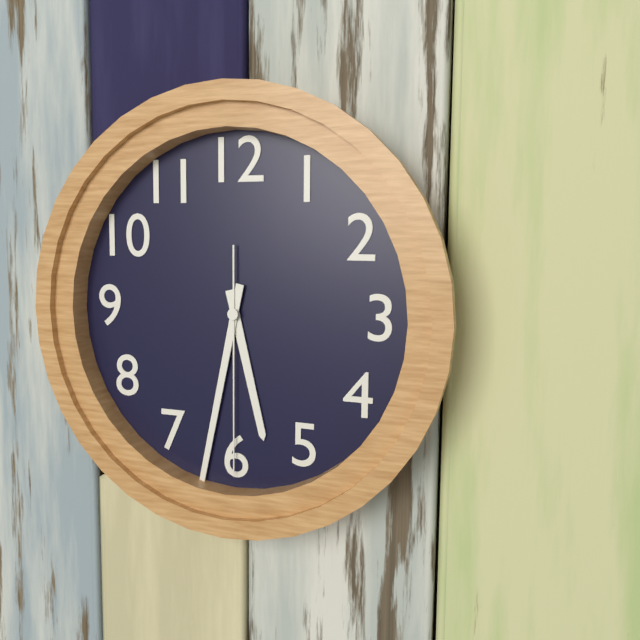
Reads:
h=5 m=32 s=30
